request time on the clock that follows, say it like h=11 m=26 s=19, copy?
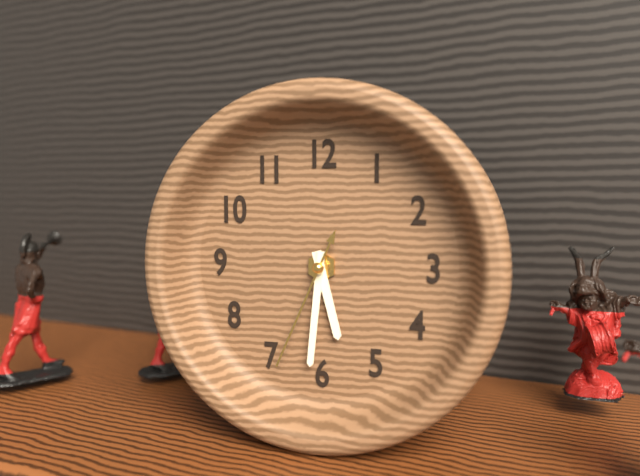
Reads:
h=5 m=31 s=34
